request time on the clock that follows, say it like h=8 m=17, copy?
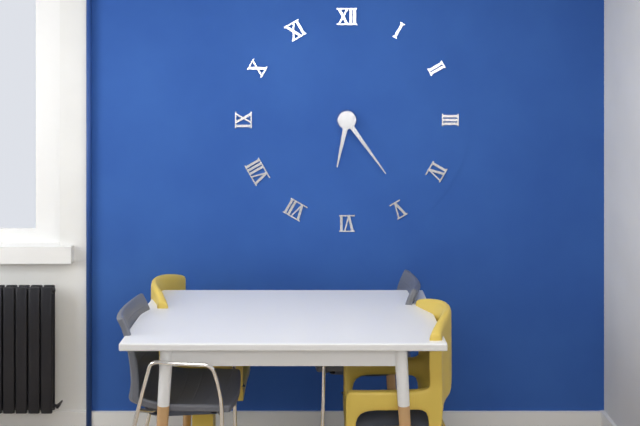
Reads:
h=6 m=24
